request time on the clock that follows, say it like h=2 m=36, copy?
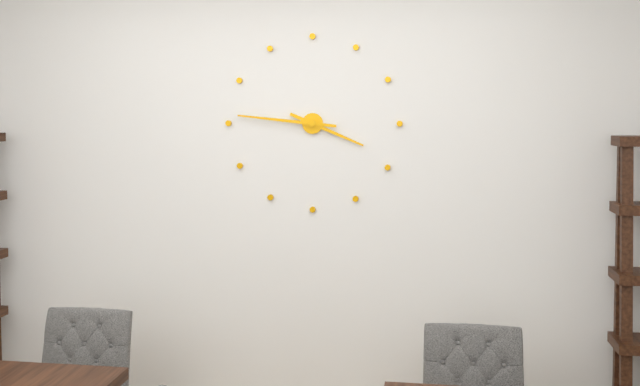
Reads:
h=3 m=46
